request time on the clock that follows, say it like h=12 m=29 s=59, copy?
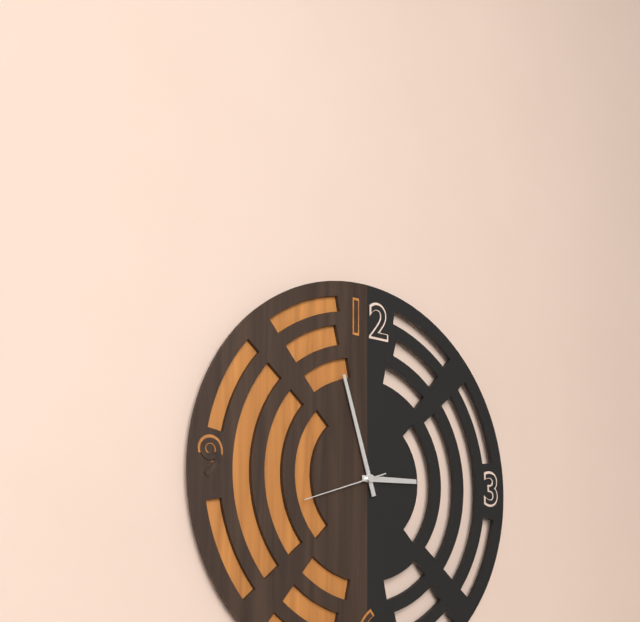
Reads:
h=2 m=57 s=42
